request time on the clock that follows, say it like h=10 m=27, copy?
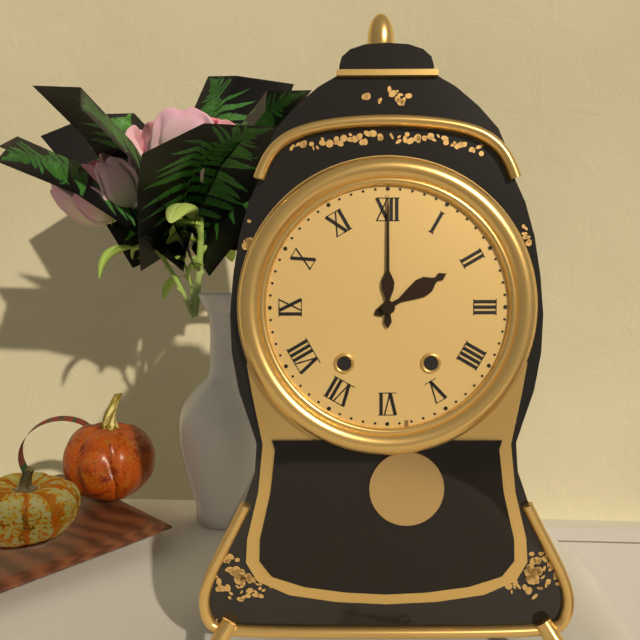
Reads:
h=2 m=0
